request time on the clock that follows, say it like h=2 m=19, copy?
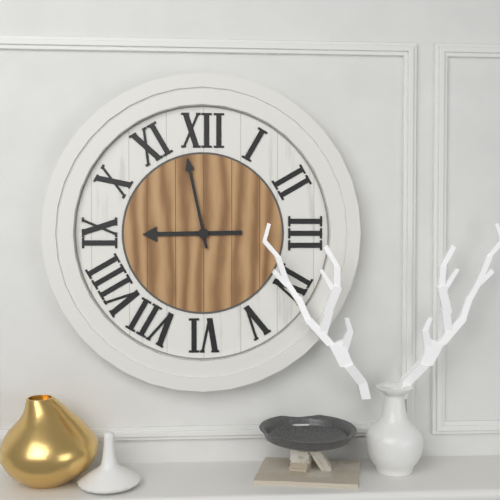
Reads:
h=8 m=58
